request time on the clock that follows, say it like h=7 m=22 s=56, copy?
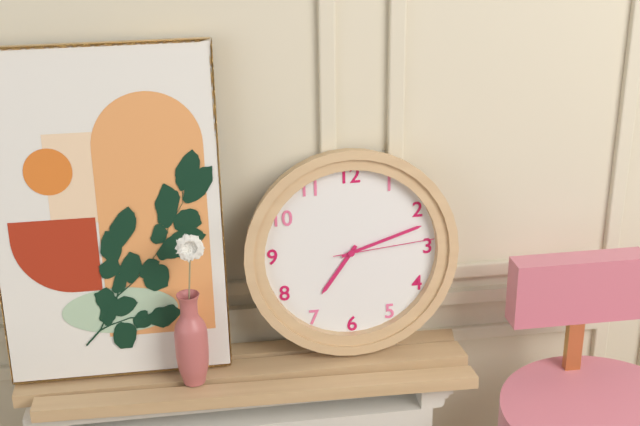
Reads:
h=7 m=12 s=14
